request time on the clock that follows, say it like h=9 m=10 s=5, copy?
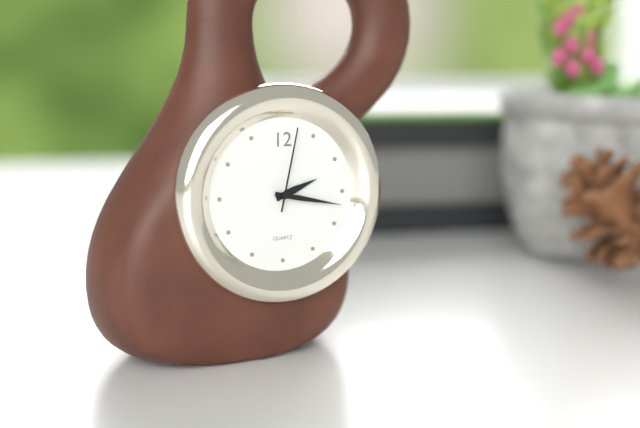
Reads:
h=2 m=17 s=2
